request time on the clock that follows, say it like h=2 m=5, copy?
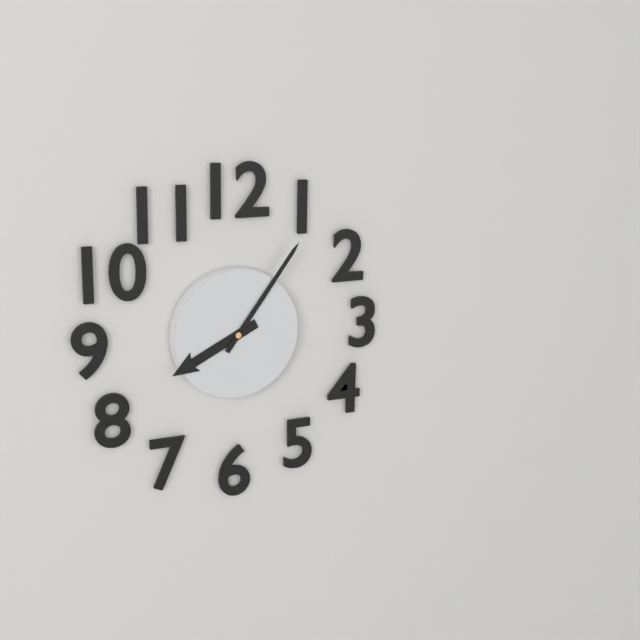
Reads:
h=8 m=6
